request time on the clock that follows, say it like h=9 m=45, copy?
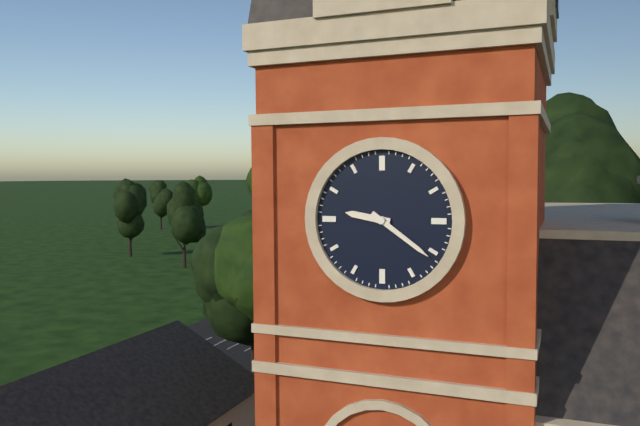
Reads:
h=9 m=21
